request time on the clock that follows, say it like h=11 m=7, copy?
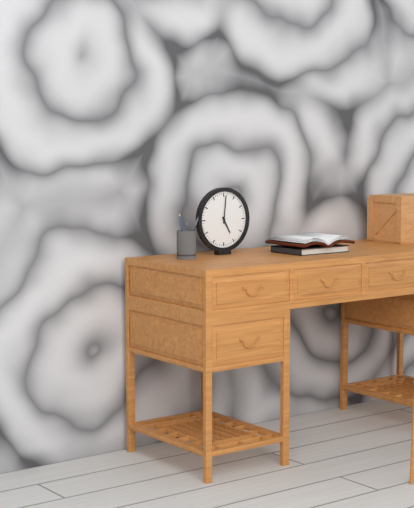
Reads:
h=5 m=1
